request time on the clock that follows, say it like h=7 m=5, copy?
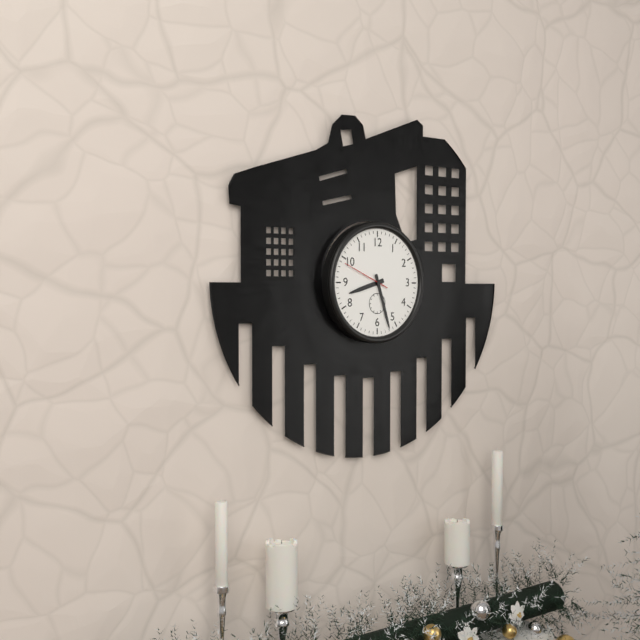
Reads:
h=8 m=27
